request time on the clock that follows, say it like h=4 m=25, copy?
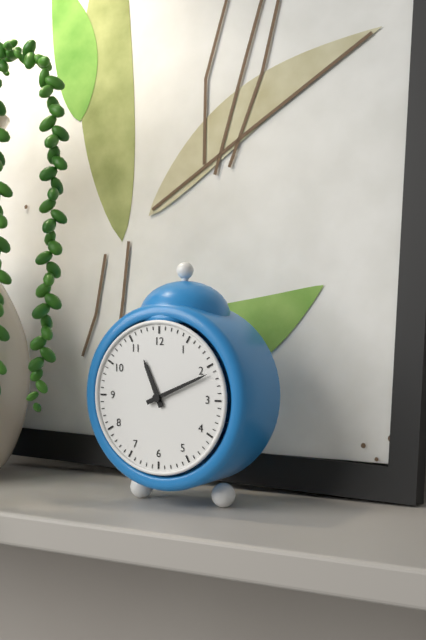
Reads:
h=11 m=11
